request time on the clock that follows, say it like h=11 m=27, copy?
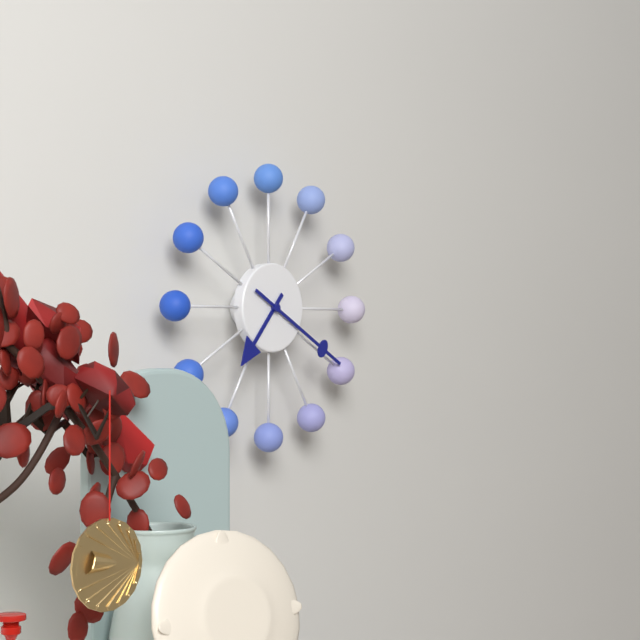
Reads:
h=7 m=20
